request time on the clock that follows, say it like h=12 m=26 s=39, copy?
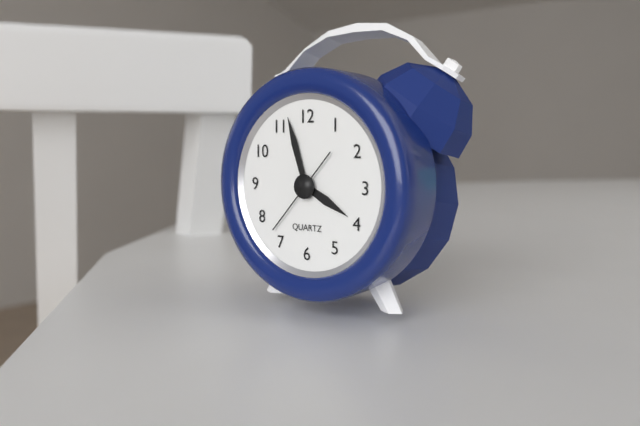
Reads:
h=3 m=57 s=37
